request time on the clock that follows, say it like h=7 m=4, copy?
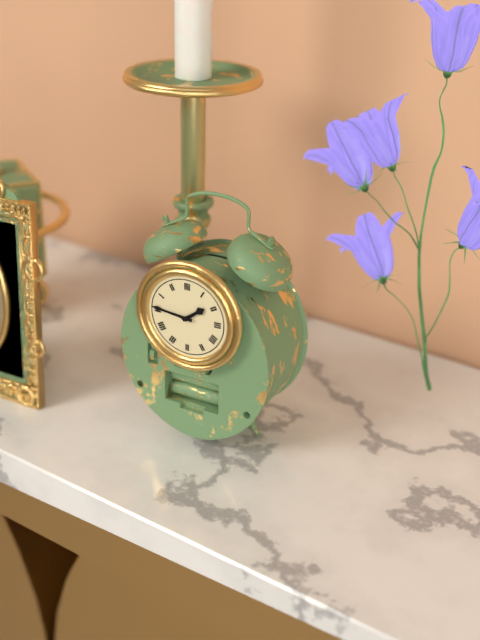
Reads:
h=1 m=46
